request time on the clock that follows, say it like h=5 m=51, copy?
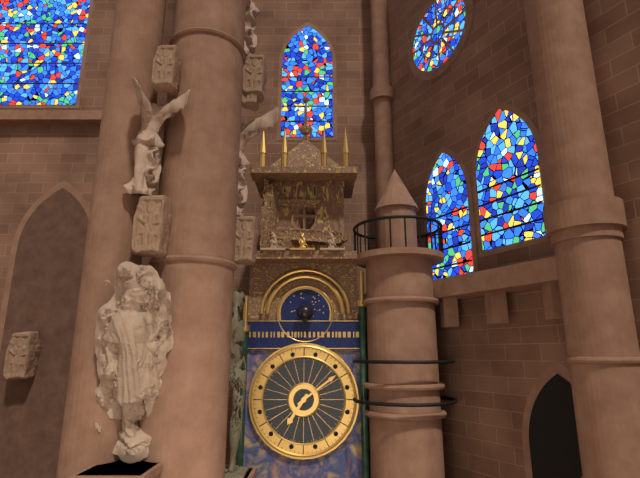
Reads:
h=7 m=9
